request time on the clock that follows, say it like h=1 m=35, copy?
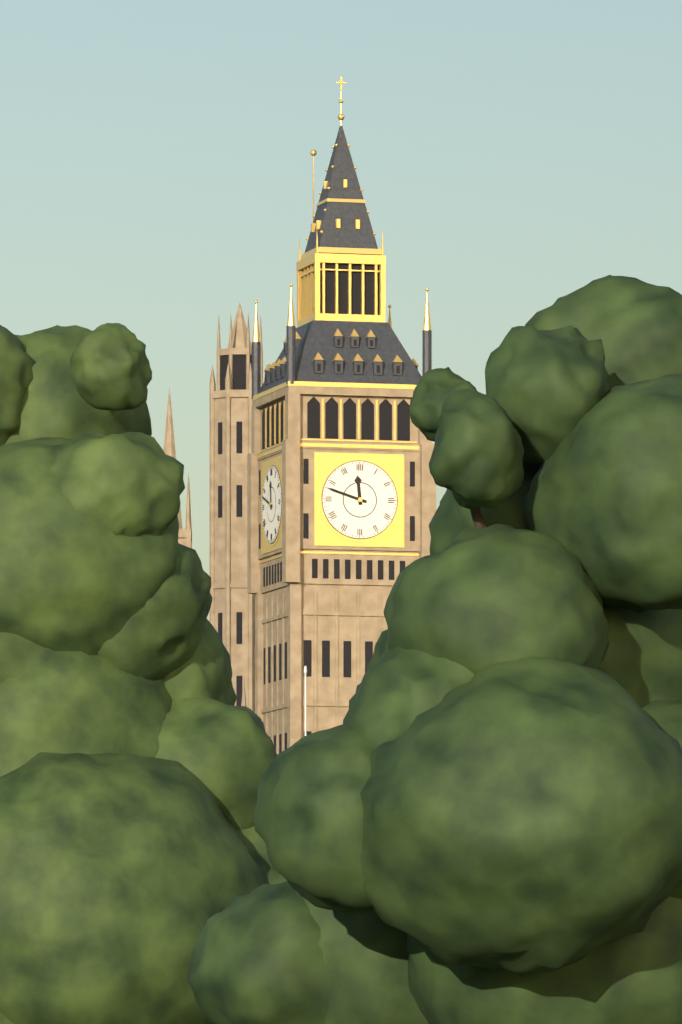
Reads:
h=11 m=48
